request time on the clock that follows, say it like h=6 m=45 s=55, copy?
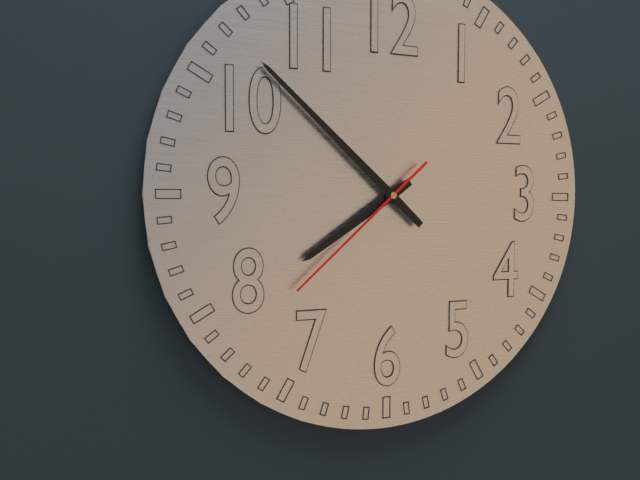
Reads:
h=7 m=52 s=38
